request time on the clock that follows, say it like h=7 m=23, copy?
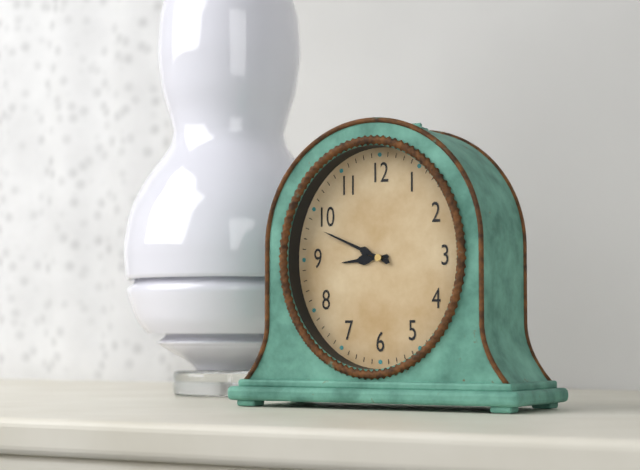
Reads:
h=8 m=49
